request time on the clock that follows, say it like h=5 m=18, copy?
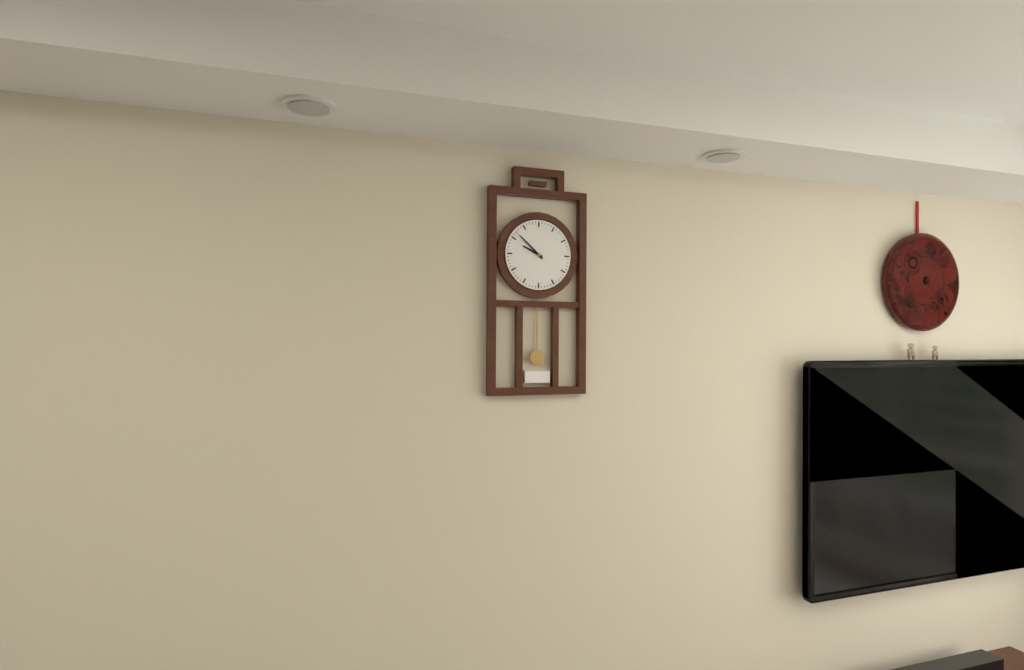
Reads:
h=9 m=52
